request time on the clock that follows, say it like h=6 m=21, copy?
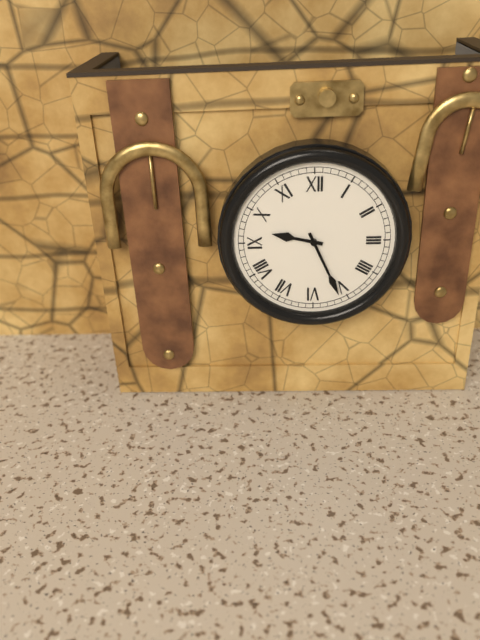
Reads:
h=9 m=26
